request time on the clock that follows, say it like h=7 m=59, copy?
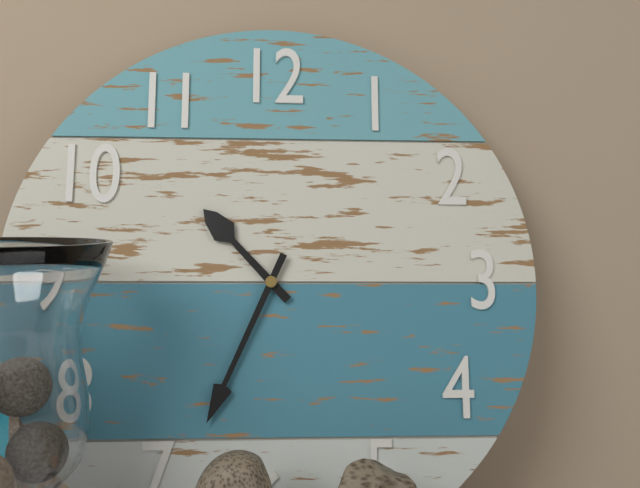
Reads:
h=10 m=34
